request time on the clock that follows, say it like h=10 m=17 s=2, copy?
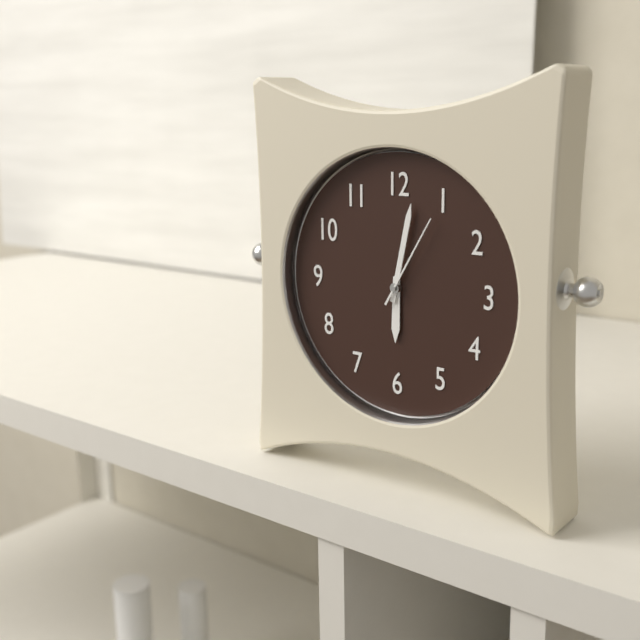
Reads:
h=6 m=2 s=5
